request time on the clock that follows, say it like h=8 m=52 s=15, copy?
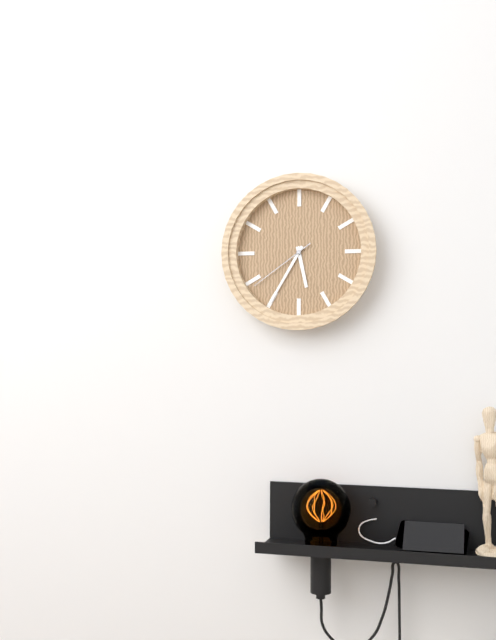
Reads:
h=5 m=35 s=39
